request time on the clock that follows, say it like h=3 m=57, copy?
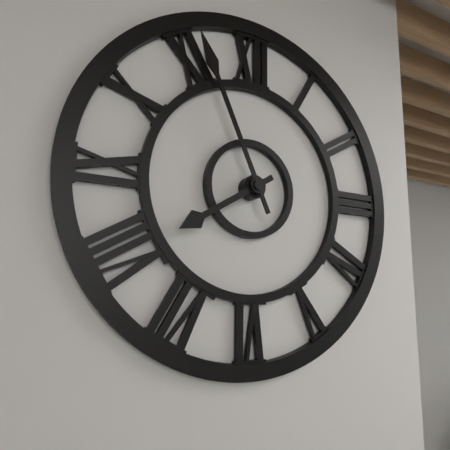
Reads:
h=7 m=56
